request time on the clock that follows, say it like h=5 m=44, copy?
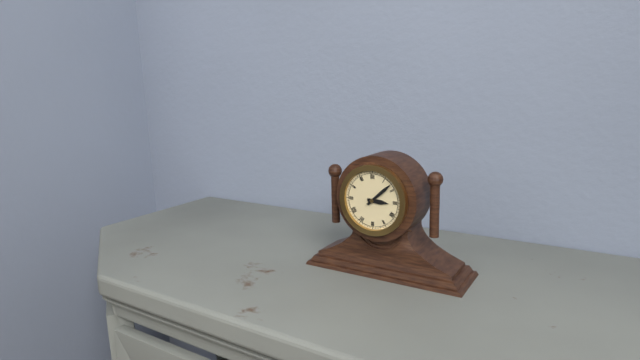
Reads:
h=3 m=8
